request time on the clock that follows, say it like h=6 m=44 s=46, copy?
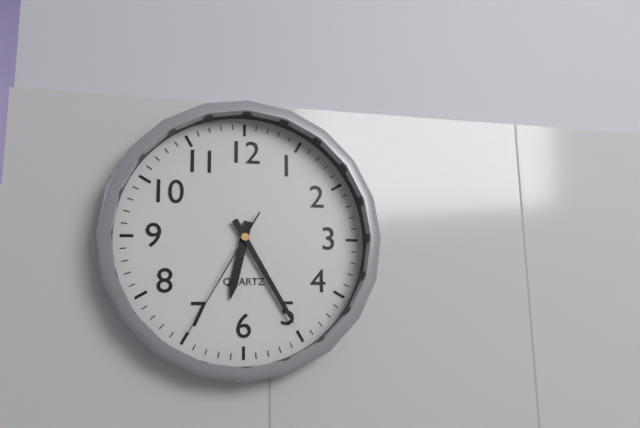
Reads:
h=6 m=25 s=35
